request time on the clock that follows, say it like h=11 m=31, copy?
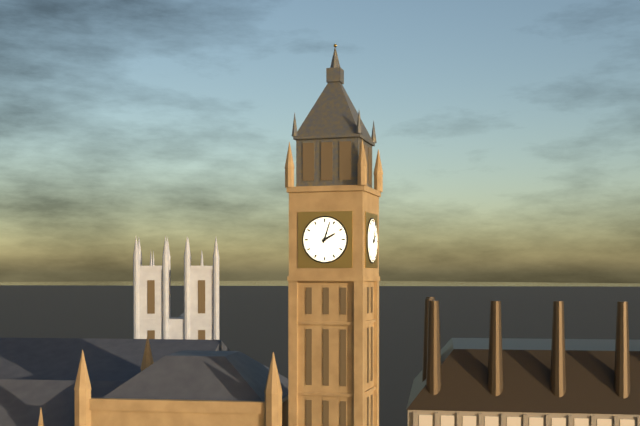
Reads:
h=2 m=3
